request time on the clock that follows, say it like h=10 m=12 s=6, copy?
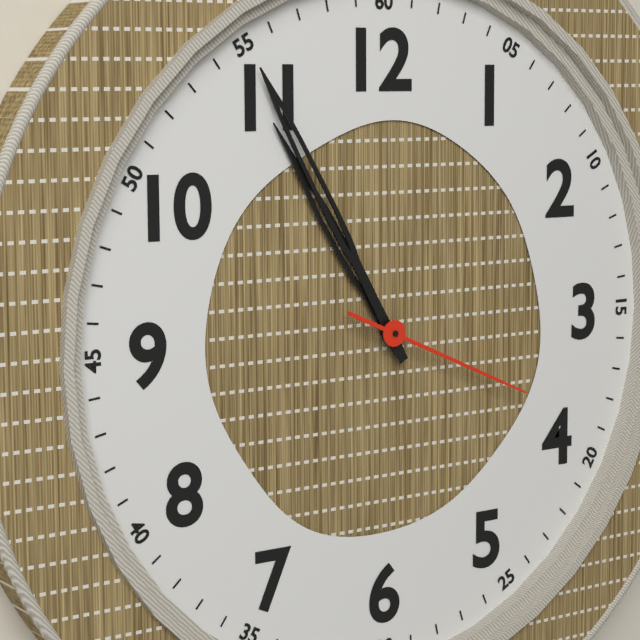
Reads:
h=10 m=55 s=19
